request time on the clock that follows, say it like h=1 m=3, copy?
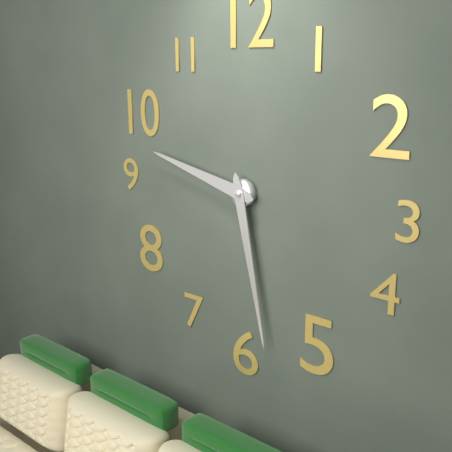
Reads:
h=9 m=28
